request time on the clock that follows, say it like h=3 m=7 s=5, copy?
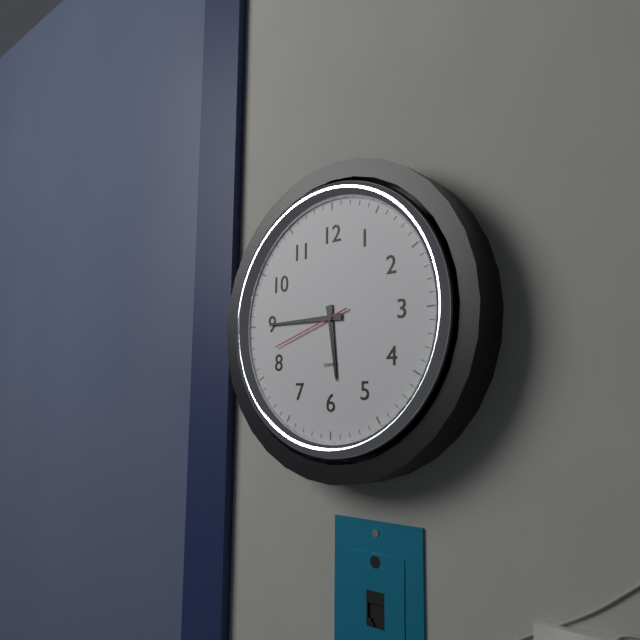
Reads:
h=5 m=45 s=42
